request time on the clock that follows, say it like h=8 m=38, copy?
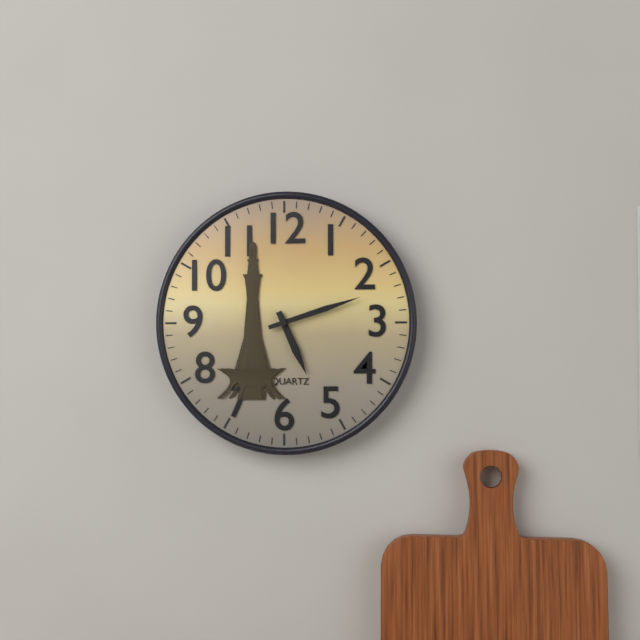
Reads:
h=5 m=12
